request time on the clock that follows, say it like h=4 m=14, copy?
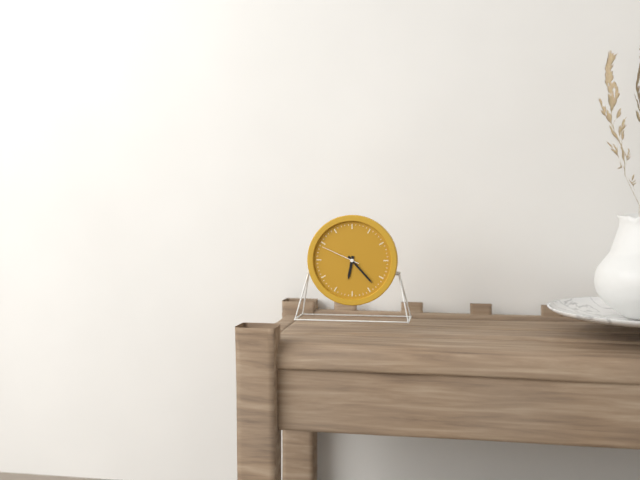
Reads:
h=6 m=23
